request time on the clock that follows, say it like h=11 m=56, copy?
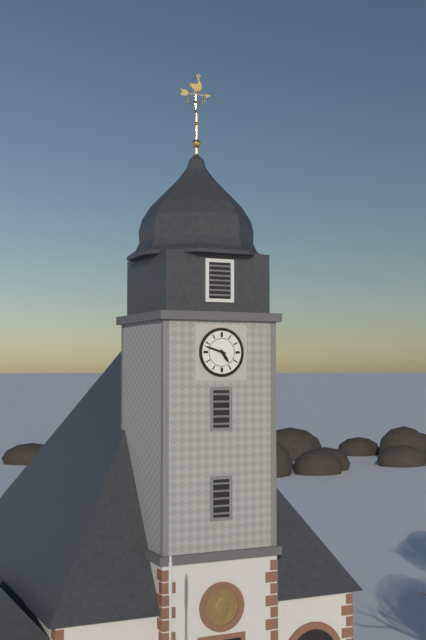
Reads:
h=4 m=48
